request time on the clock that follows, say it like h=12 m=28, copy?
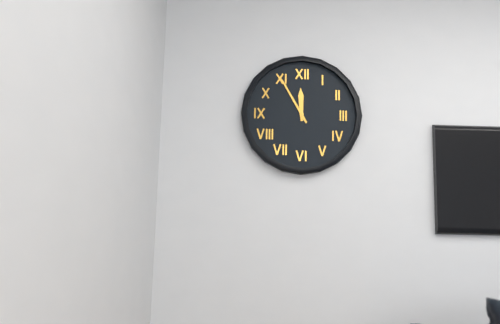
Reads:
h=11 m=55
